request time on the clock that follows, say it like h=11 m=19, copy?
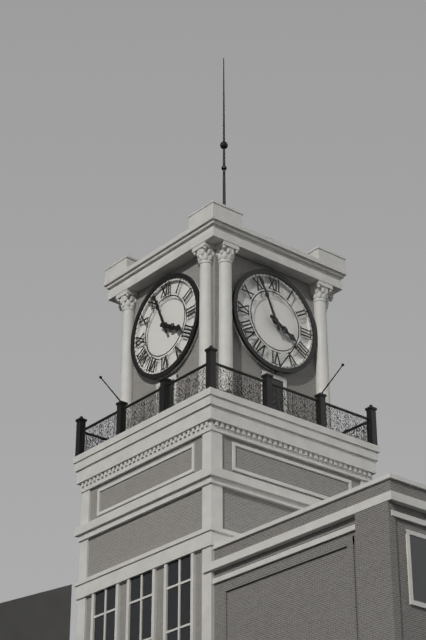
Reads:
h=3 m=56
